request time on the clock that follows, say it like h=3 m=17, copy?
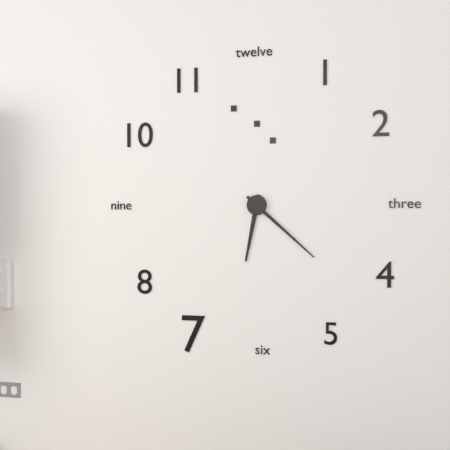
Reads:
h=6 m=22
